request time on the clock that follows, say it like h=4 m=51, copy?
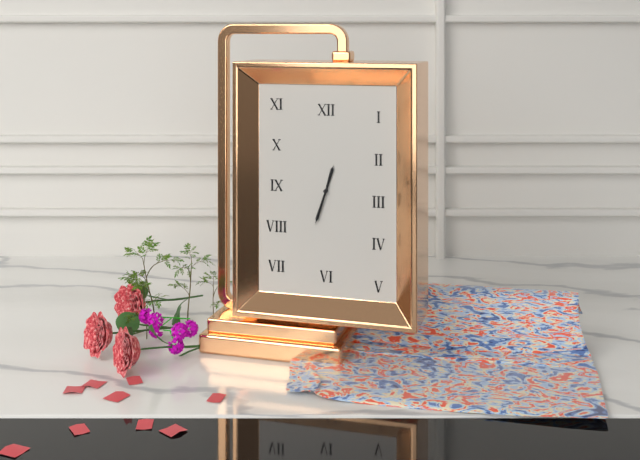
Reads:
h=12 m=33
